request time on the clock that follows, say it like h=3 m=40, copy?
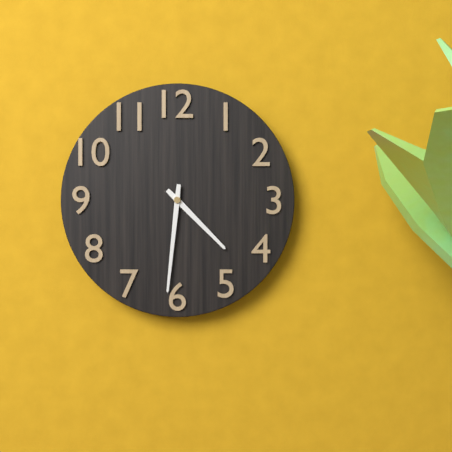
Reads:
h=4 m=31
